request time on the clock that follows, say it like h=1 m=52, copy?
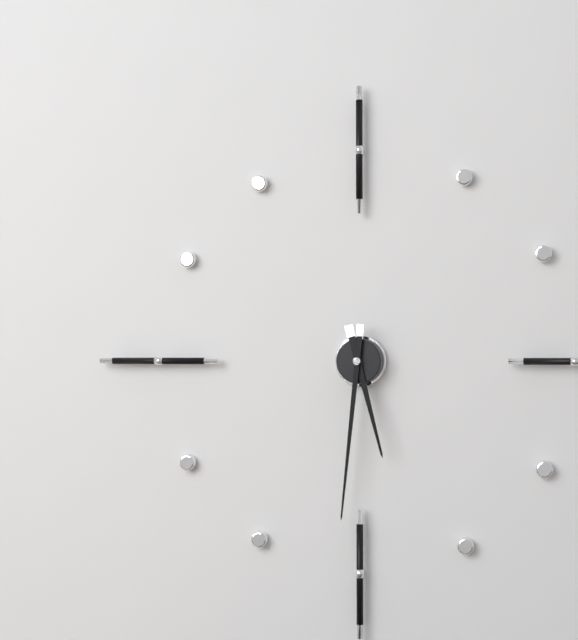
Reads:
h=5 m=31
